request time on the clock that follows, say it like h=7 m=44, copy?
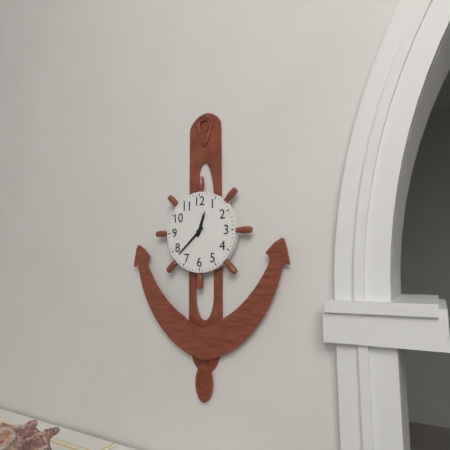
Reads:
h=12 m=38
